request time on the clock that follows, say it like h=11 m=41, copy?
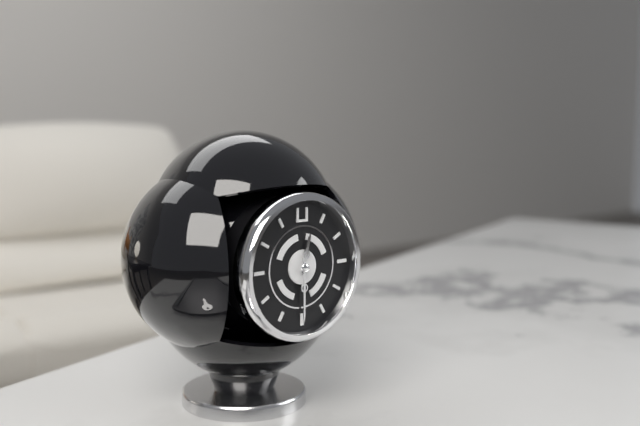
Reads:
h=12 m=30
